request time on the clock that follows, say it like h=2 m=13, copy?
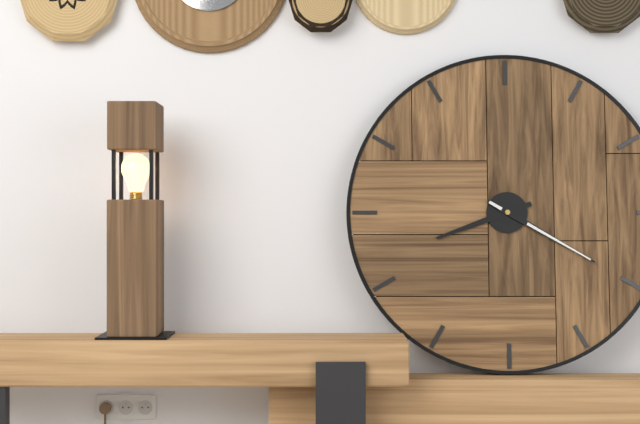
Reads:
h=8 m=20
